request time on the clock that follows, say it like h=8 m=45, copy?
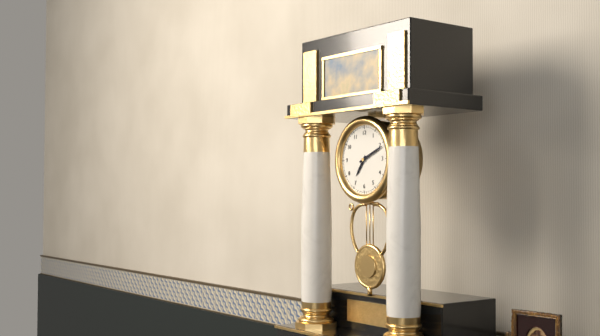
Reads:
h=7 m=11
